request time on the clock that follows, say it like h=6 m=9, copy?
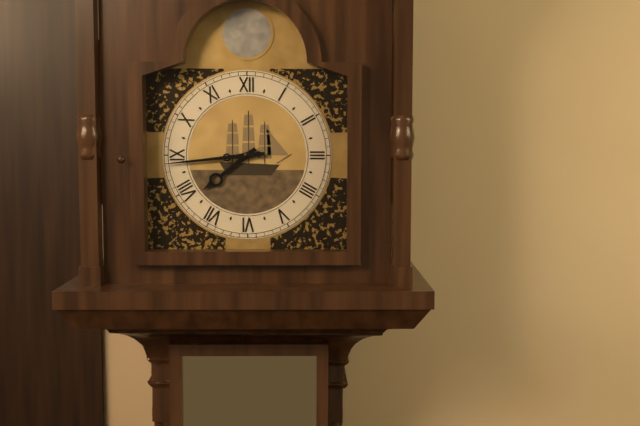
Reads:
h=7 m=44
